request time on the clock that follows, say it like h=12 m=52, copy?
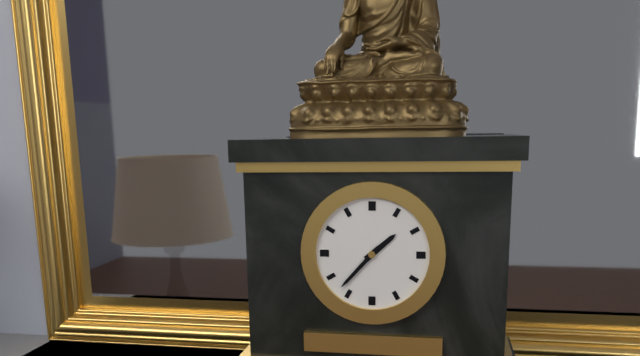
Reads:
h=1 m=37
